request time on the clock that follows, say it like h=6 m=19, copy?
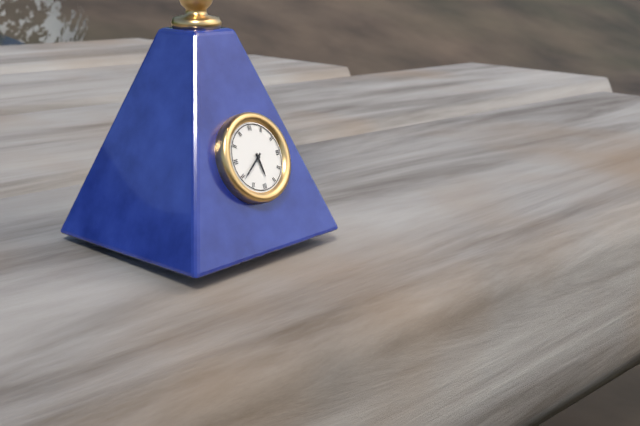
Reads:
h=5 m=39
